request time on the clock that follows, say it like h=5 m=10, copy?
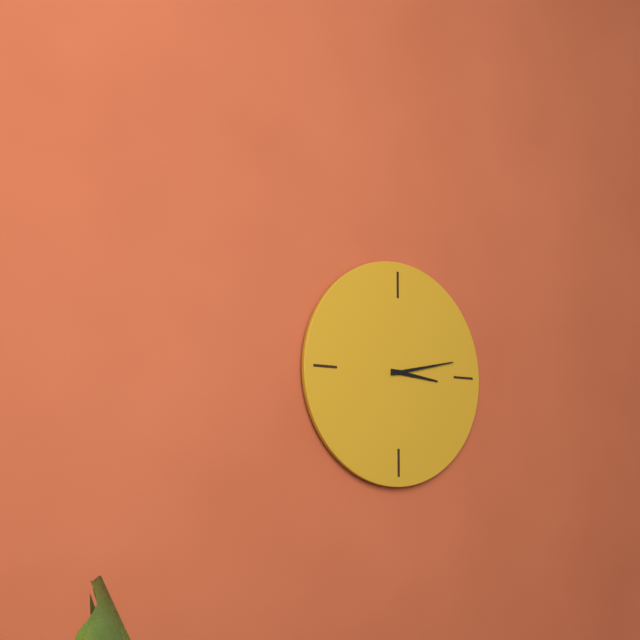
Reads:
h=3 m=13
